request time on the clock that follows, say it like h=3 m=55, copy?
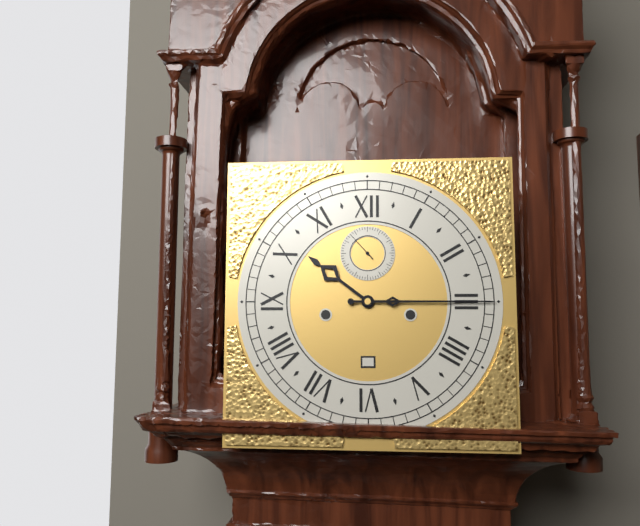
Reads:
h=10 m=15
